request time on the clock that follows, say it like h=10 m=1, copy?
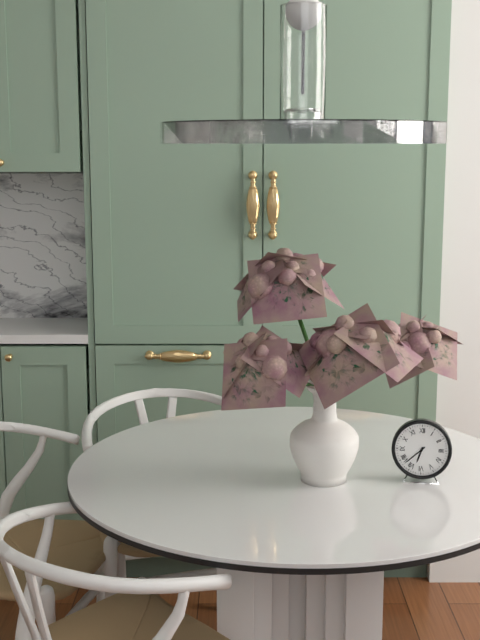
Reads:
h=6 m=38
